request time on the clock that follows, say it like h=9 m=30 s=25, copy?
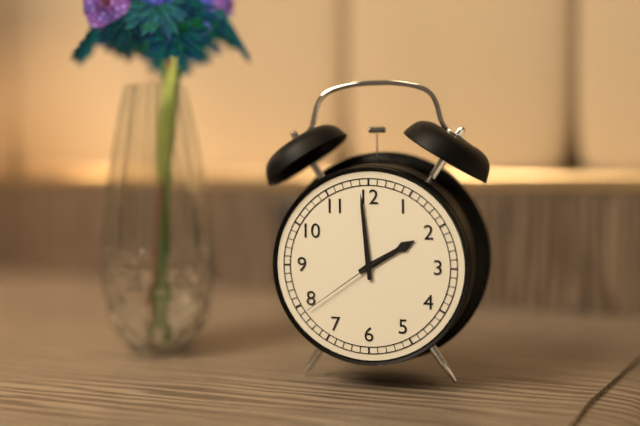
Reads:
h=1 m=59 s=39
